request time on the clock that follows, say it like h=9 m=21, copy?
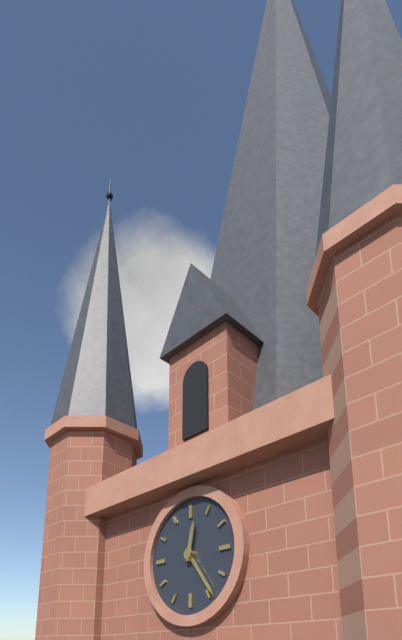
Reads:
h=12 m=24
